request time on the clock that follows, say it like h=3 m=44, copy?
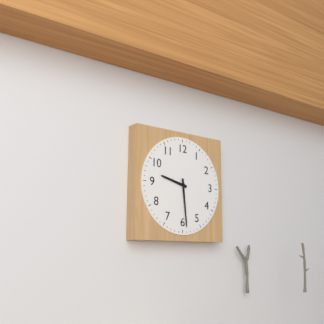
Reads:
h=9 m=29
